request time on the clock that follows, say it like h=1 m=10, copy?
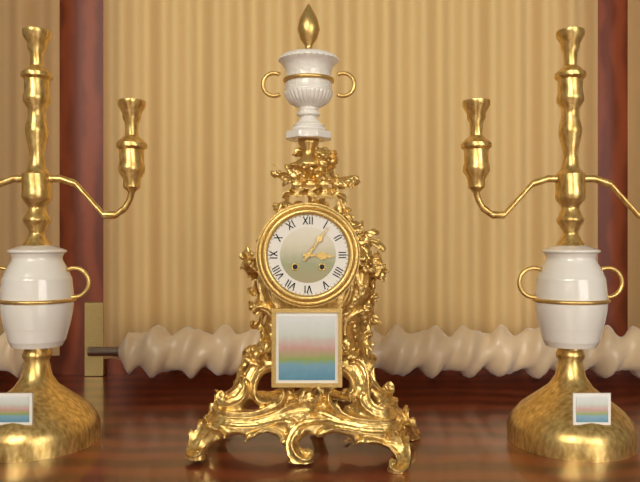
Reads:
h=3 m=6
